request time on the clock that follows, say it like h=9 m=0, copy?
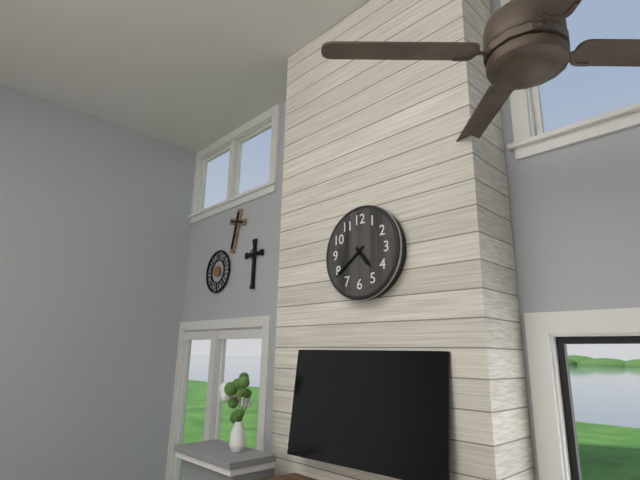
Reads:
h=4 m=39
